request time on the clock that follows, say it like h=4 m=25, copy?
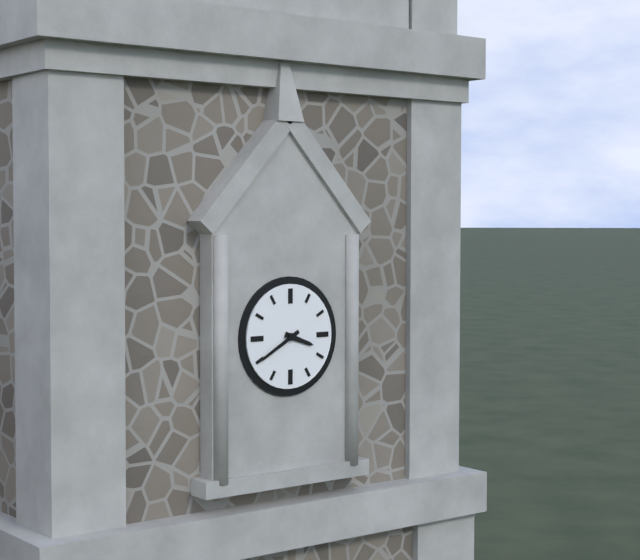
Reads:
h=3 m=40
